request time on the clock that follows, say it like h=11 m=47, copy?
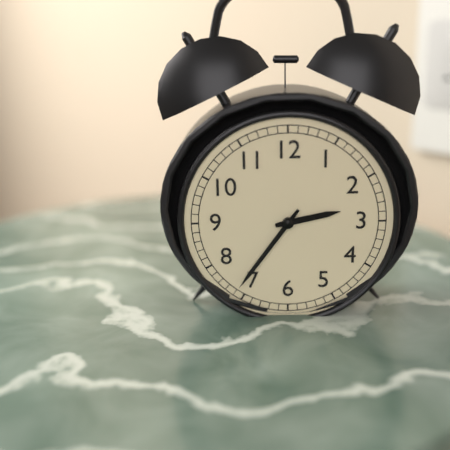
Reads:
h=2 m=36
